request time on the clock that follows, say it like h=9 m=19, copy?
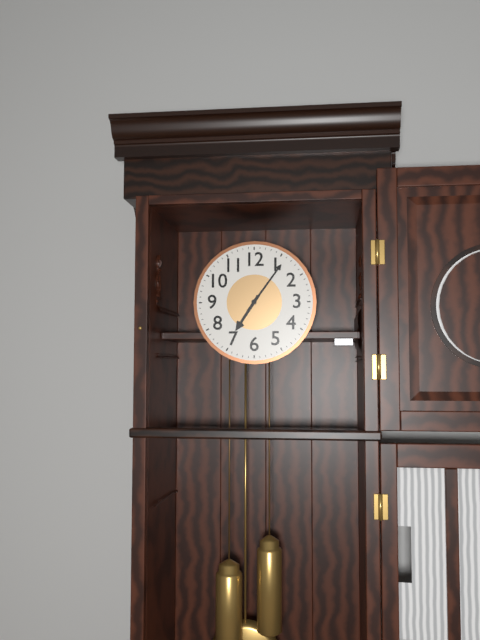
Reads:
h=7 m=6
